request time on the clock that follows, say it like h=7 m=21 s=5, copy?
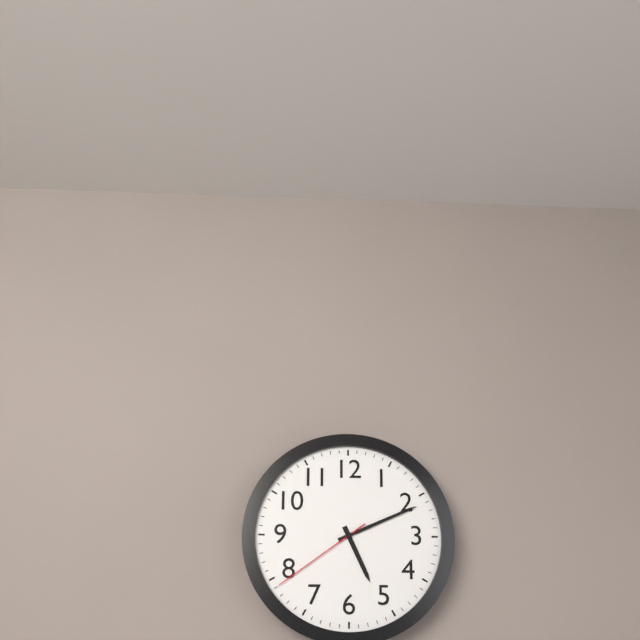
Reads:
h=5 m=11 s=39
